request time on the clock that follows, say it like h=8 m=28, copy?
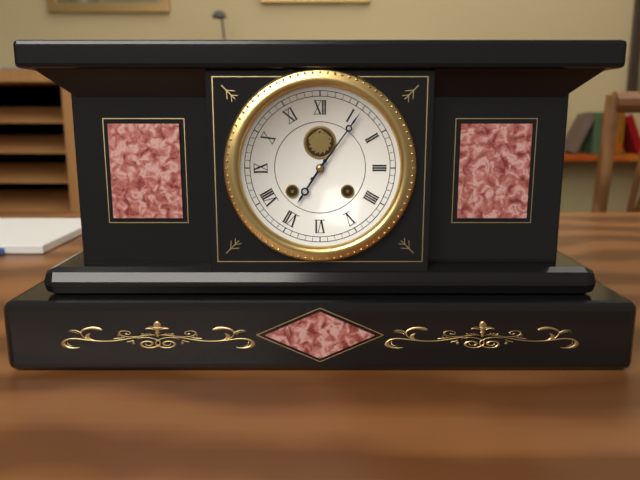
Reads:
h=7 m=6
